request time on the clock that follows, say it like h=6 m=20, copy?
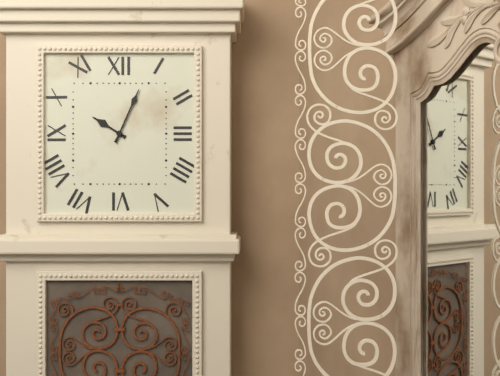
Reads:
h=10 m=4
